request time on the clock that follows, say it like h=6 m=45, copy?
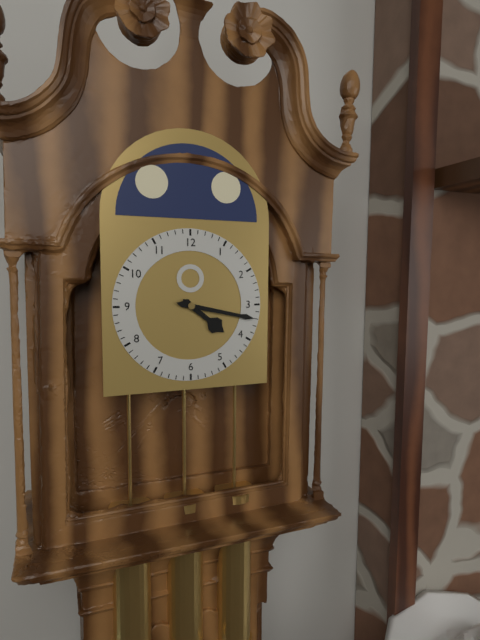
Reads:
h=4 m=17
